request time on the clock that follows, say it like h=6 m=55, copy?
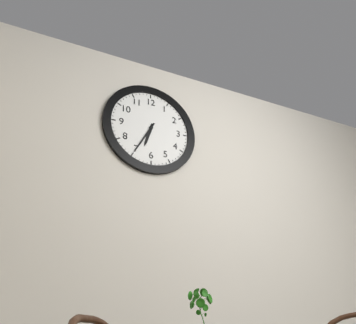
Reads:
h=6 m=35
